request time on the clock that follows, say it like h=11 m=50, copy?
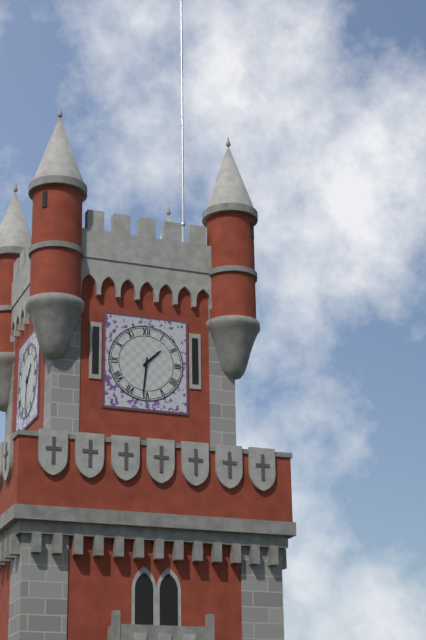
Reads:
h=1 m=31
